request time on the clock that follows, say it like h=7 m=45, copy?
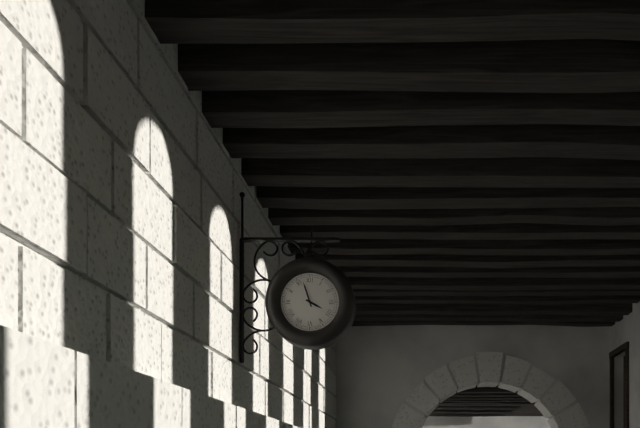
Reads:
h=3 m=57
